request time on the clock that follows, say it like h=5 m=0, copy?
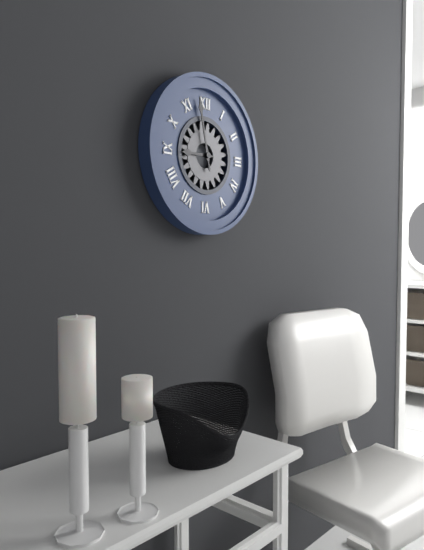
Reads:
h=8 m=58
